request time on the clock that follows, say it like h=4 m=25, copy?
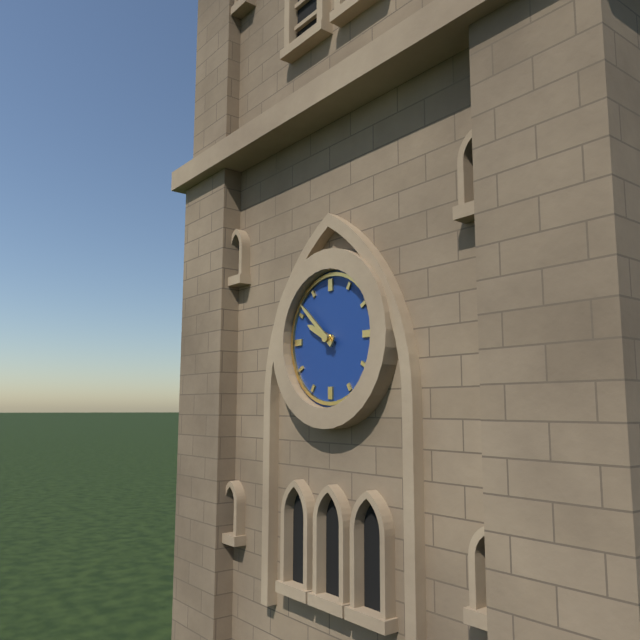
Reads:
h=9 m=52
